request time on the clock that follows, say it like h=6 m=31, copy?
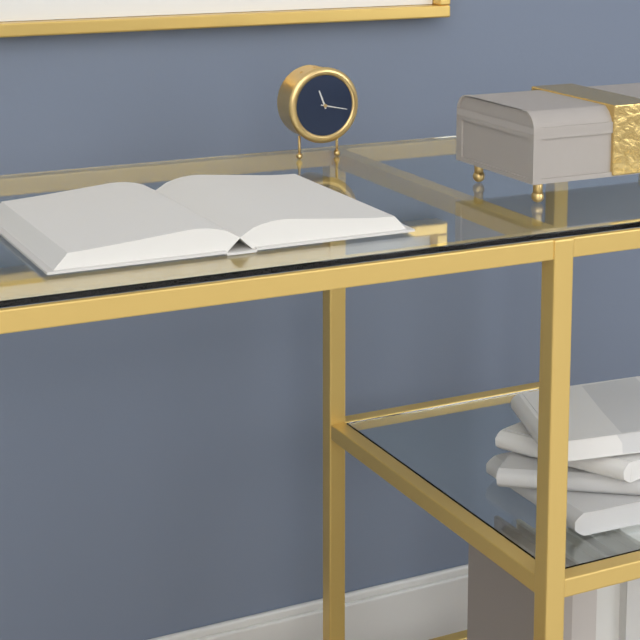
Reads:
h=11 m=17
